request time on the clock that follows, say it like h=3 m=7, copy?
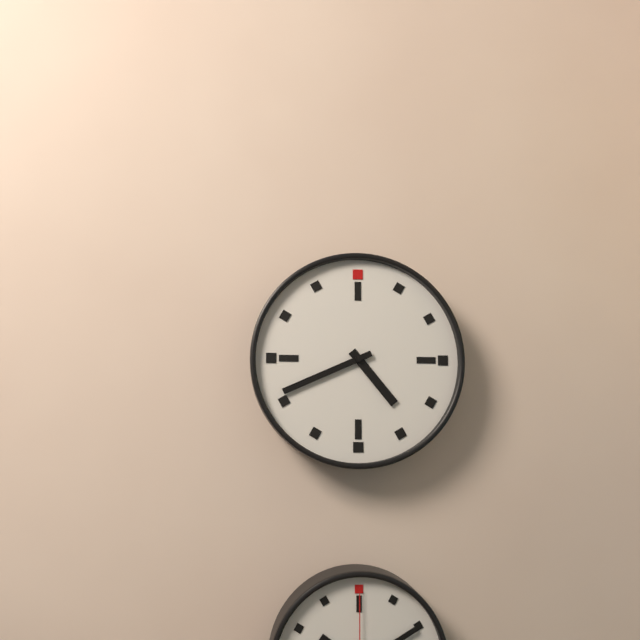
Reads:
h=4 m=41
